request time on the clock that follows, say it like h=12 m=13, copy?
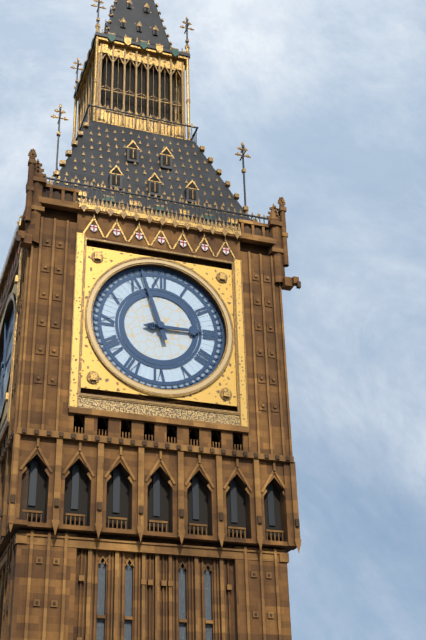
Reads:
h=2 m=57
